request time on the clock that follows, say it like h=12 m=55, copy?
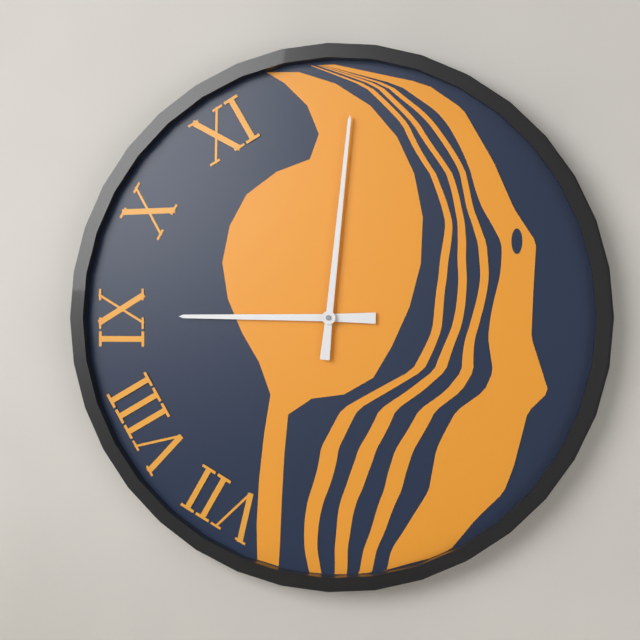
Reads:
h=9 m=1
